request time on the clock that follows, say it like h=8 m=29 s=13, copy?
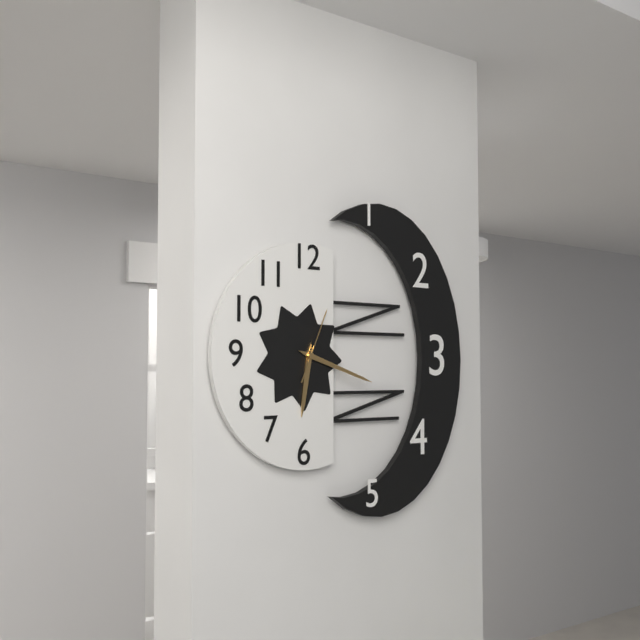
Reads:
h=6 m=18 s=4
